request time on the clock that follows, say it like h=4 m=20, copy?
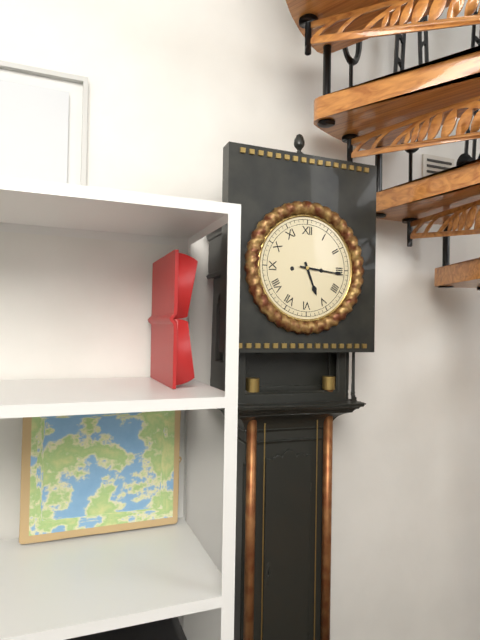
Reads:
h=5 m=16
